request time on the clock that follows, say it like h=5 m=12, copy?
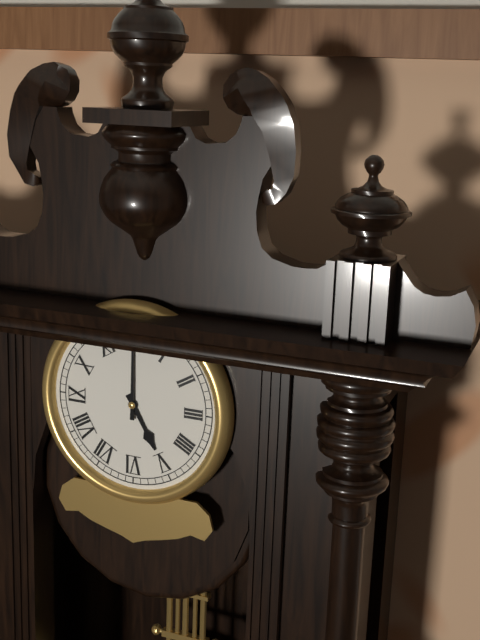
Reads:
h=5 m=0
